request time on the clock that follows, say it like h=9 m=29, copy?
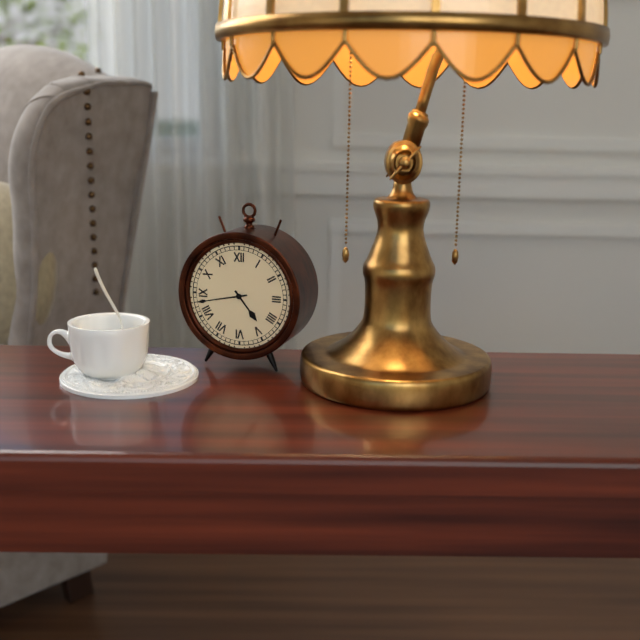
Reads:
h=4 m=43
